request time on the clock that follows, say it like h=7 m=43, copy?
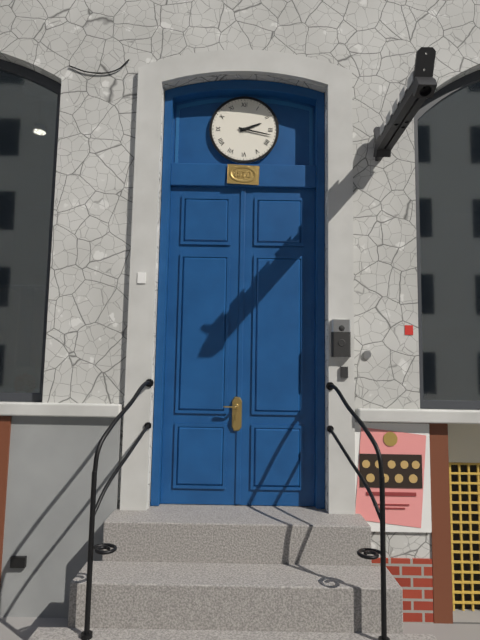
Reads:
h=2 m=17
